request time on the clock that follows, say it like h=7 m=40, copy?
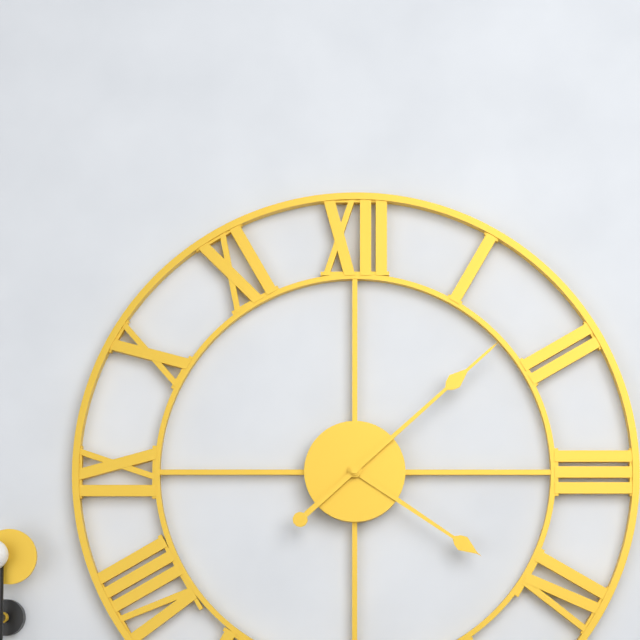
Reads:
h=4 m=8
